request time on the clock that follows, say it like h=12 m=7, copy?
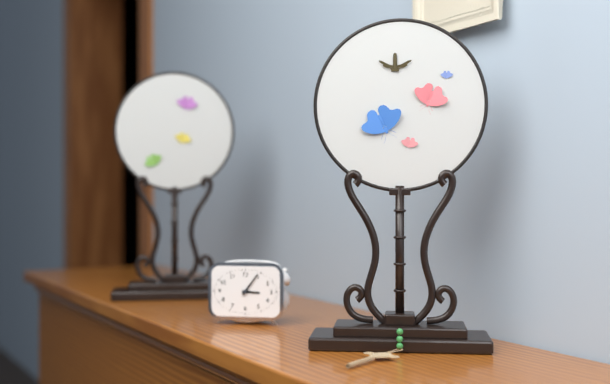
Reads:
h=3 m=6
